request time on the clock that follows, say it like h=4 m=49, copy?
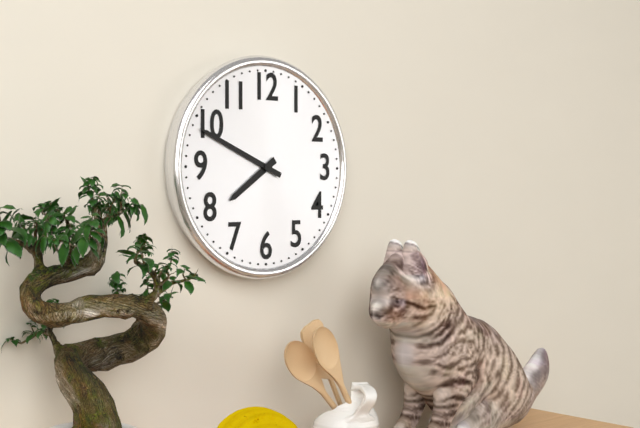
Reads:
h=7 m=49
